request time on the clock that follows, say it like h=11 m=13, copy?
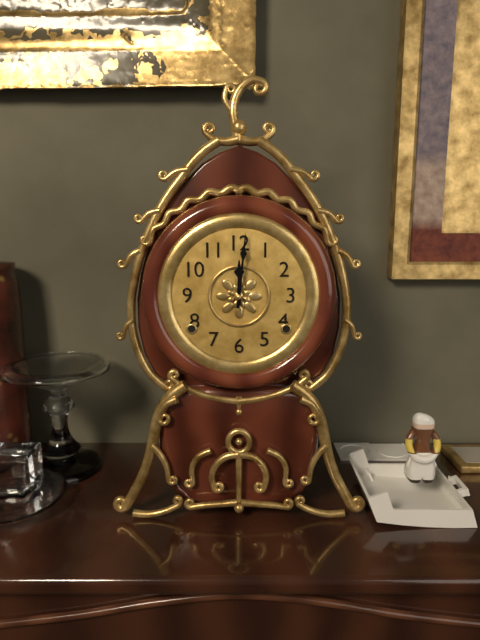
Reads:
h=12 m=1
